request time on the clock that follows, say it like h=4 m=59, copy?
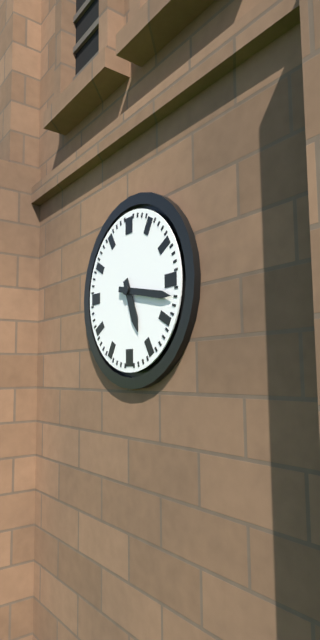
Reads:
h=5 m=17
